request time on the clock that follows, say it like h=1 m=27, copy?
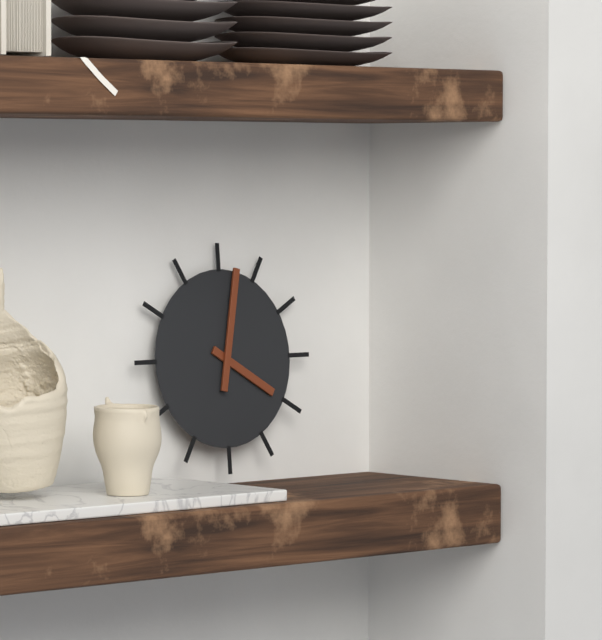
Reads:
h=4 m=2
